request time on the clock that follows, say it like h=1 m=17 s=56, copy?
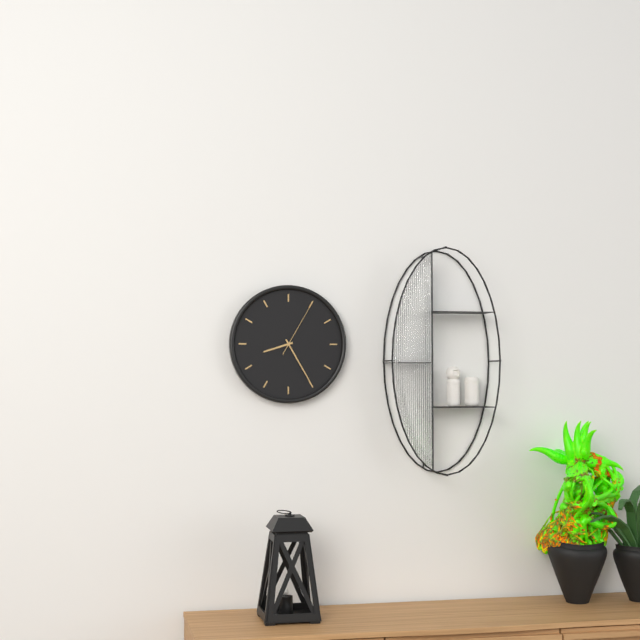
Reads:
h=8 m=25 s=5
